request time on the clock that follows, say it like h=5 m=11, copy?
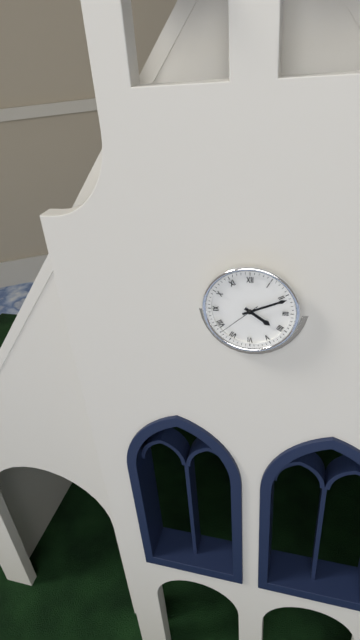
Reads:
h=4 m=11
